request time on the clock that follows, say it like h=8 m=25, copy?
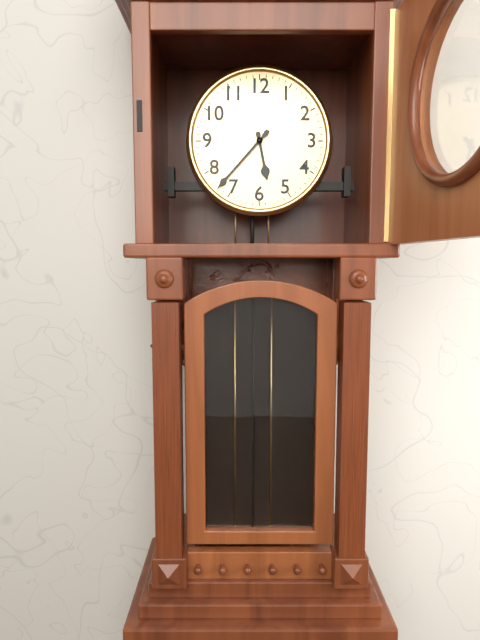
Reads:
h=5 m=37
